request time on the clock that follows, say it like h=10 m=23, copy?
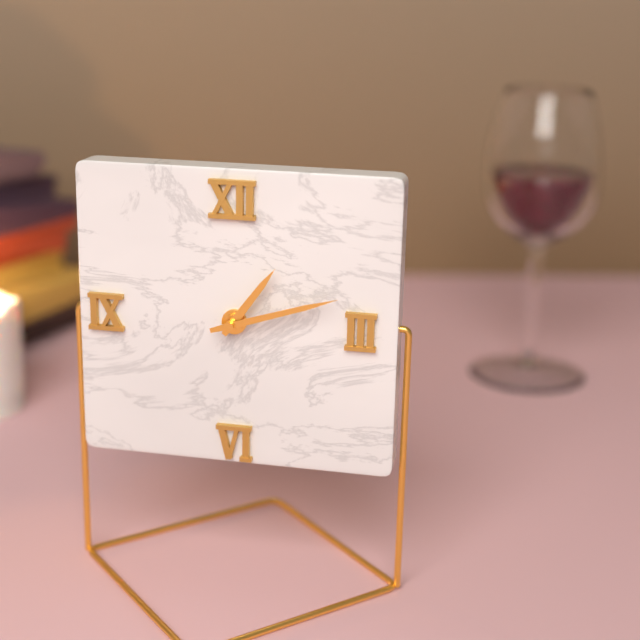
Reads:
h=1 m=12
